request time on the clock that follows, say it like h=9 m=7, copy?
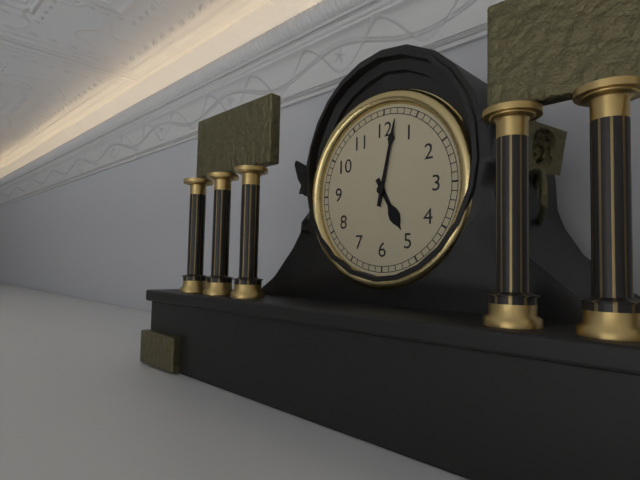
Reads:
h=5 m=2
